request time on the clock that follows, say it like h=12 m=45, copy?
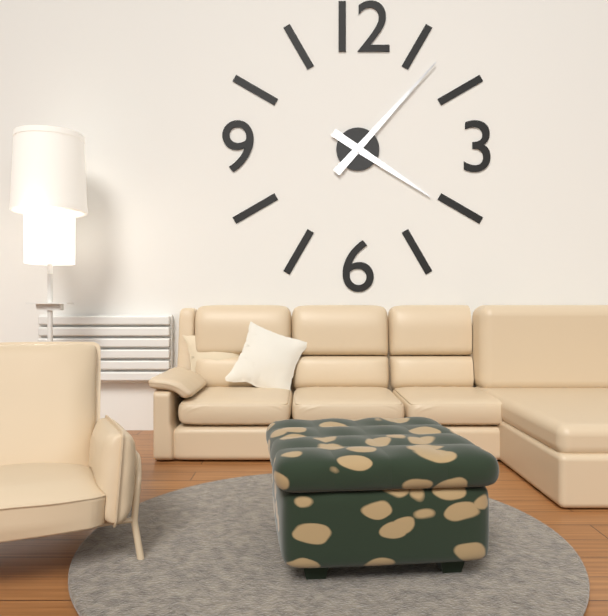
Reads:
h=4 m=7
